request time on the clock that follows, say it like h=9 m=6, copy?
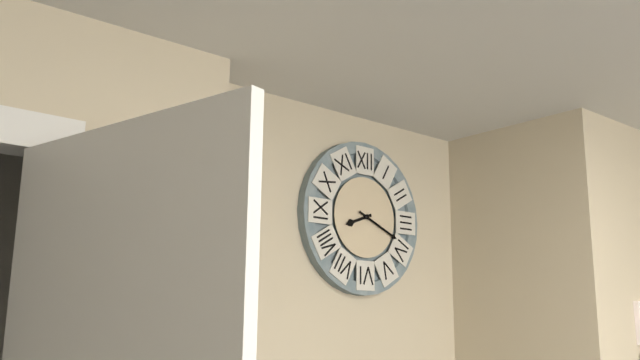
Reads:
h=8 m=19
